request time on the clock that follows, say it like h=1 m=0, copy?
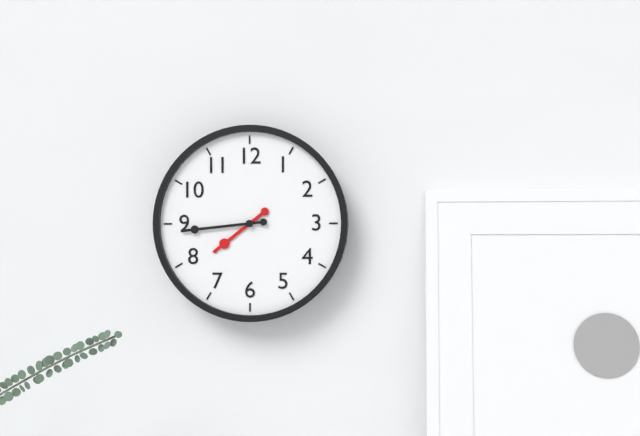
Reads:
h=7 m=44
